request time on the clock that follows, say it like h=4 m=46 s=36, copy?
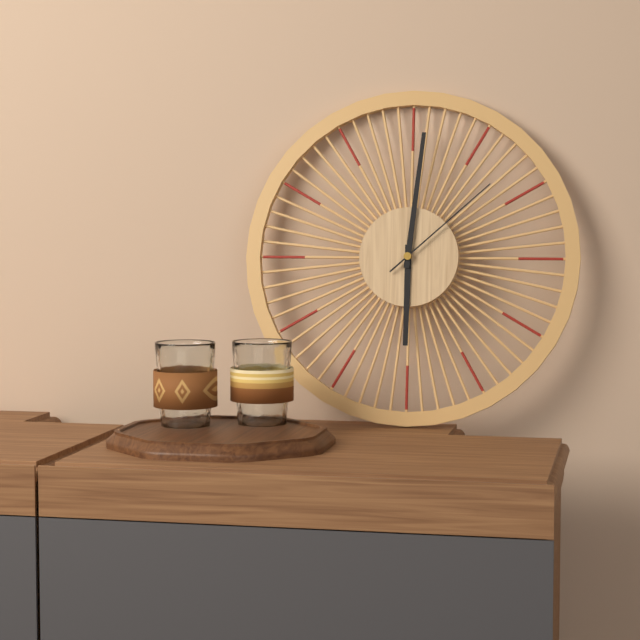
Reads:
h=6 m=1 s=8
